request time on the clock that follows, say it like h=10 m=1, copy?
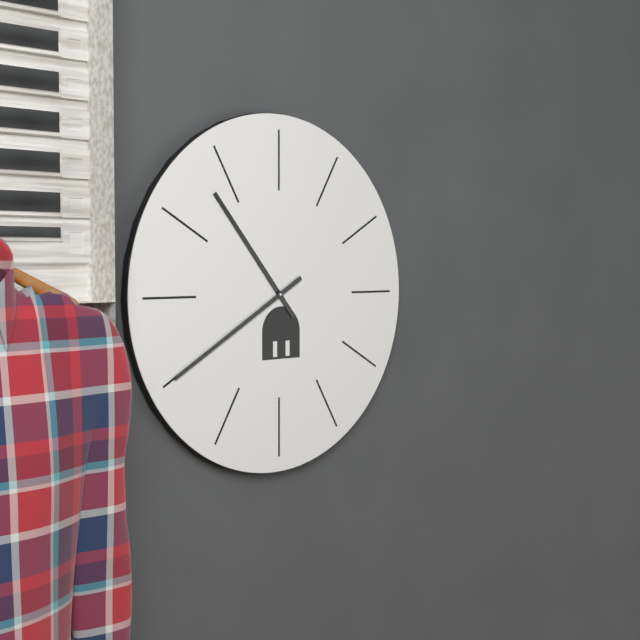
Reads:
h=10 m=40
